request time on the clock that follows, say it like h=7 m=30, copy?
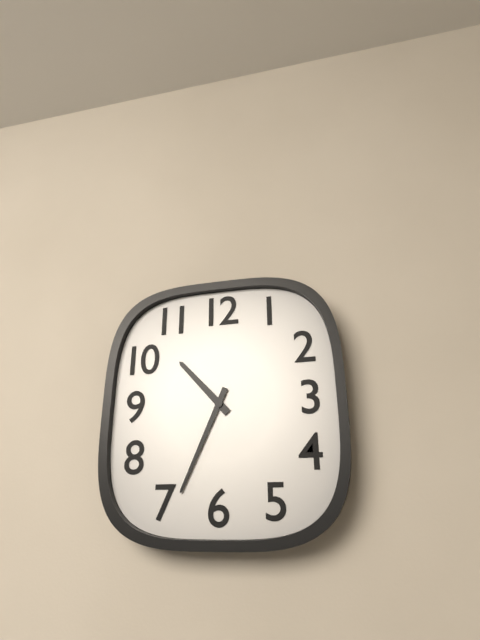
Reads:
h=10 m=34
